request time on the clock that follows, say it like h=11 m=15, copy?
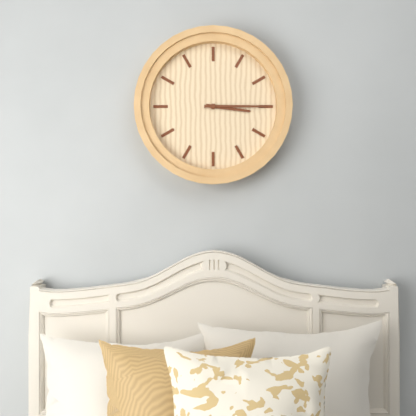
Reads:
h=3 m=15
